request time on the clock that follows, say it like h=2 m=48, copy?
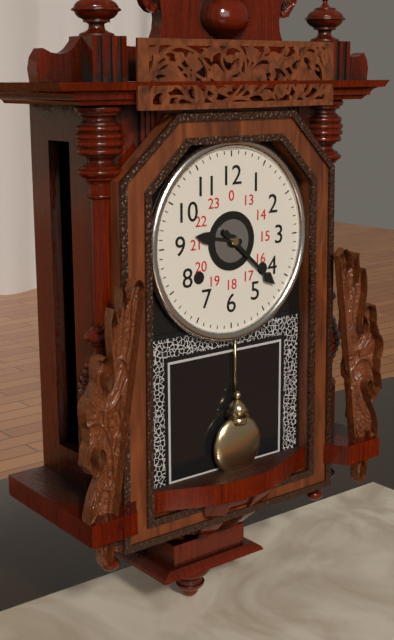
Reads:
h=9 m=22
